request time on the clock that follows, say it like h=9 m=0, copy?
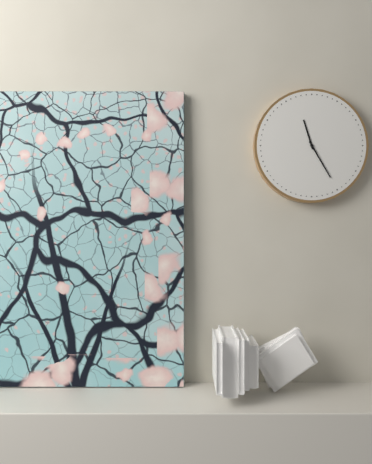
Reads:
h=11 m=25
